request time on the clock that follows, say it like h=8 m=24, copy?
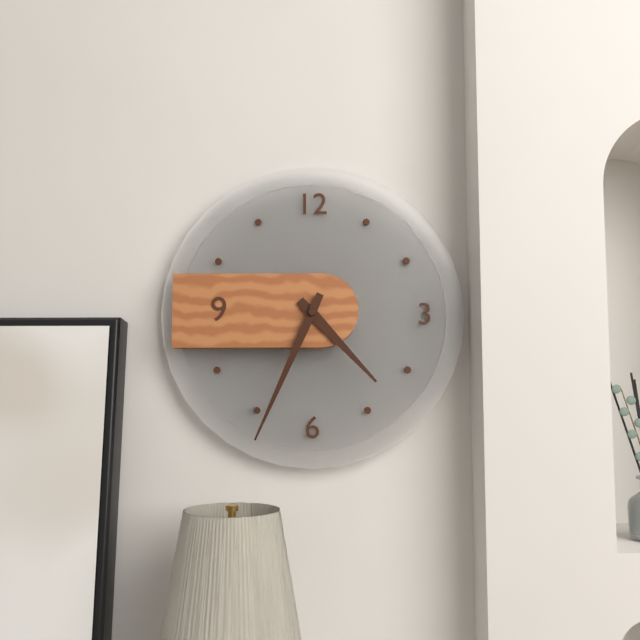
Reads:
h=4 m=34
